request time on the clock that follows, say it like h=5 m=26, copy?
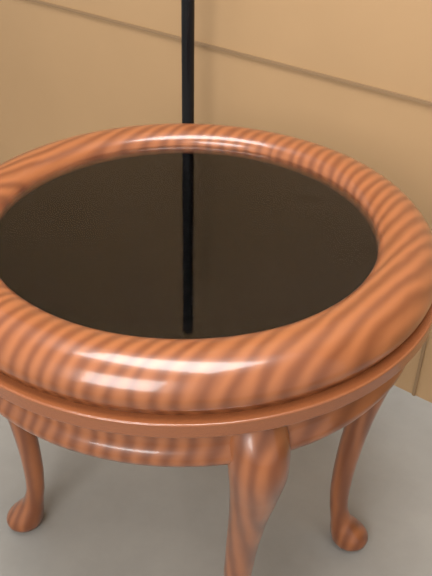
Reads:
h=5 m=23
